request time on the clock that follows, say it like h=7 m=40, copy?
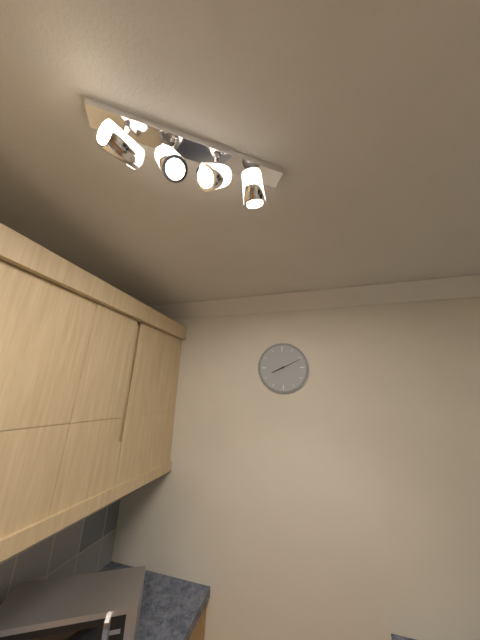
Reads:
h=8 m=11
